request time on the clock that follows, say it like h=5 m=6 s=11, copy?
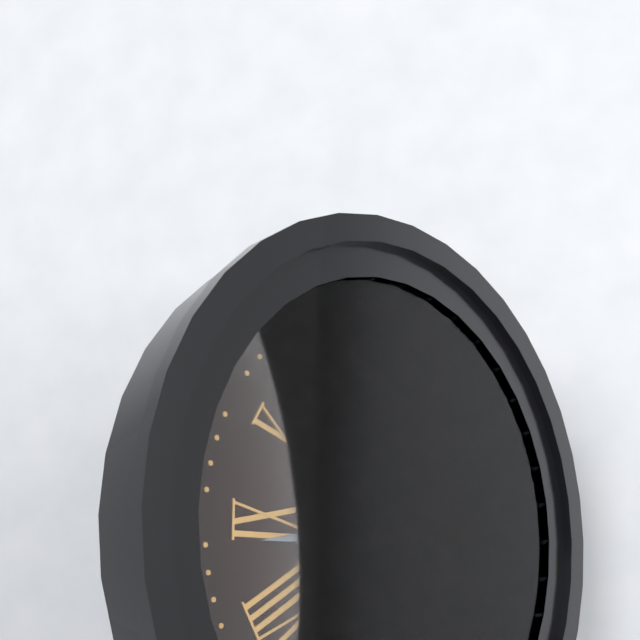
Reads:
h=8 m=44 s=9
